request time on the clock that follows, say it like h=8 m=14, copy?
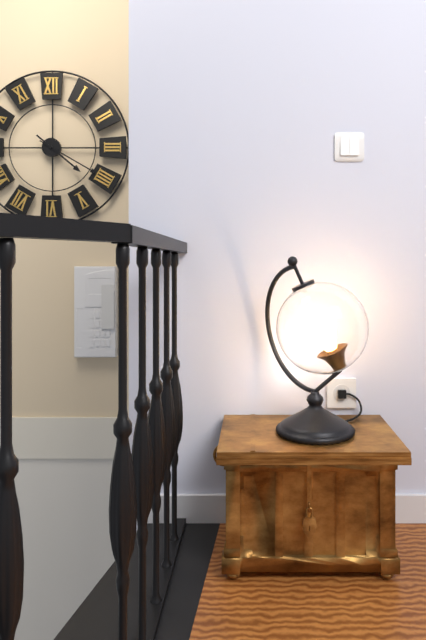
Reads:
h=4 m=20
